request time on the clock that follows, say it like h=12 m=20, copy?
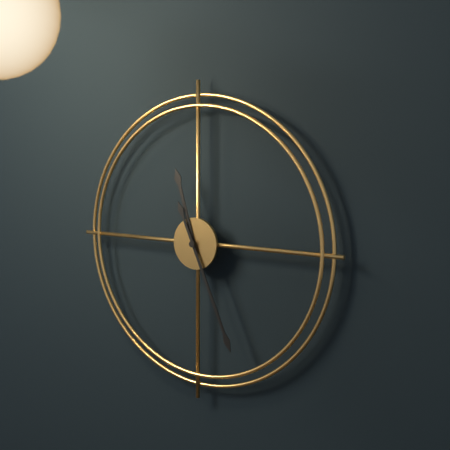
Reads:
h=11 m=26
